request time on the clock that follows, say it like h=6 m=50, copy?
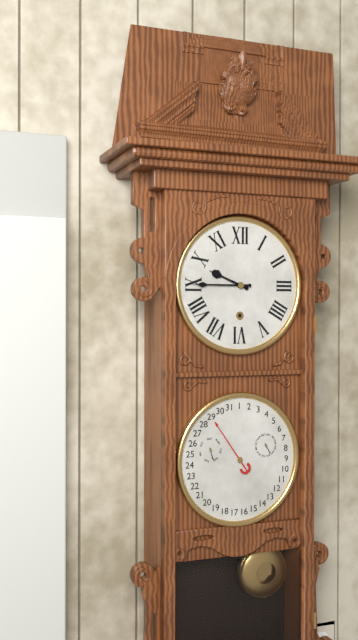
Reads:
h=9 m=45
